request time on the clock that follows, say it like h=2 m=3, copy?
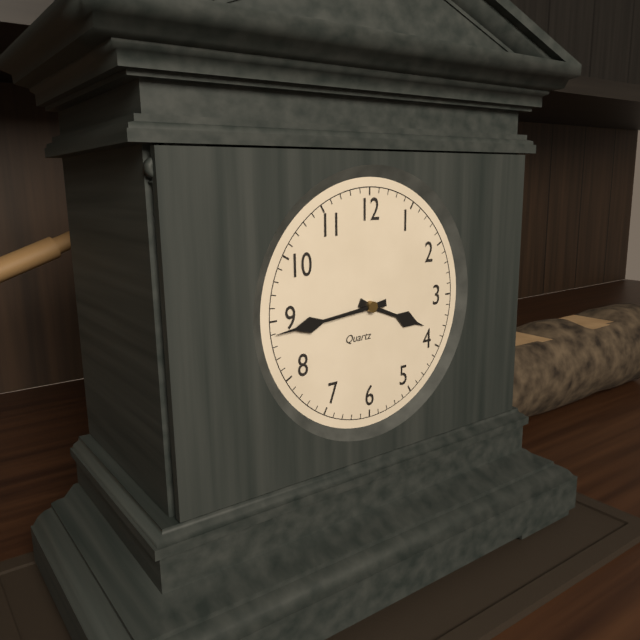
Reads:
h=3 m=44
